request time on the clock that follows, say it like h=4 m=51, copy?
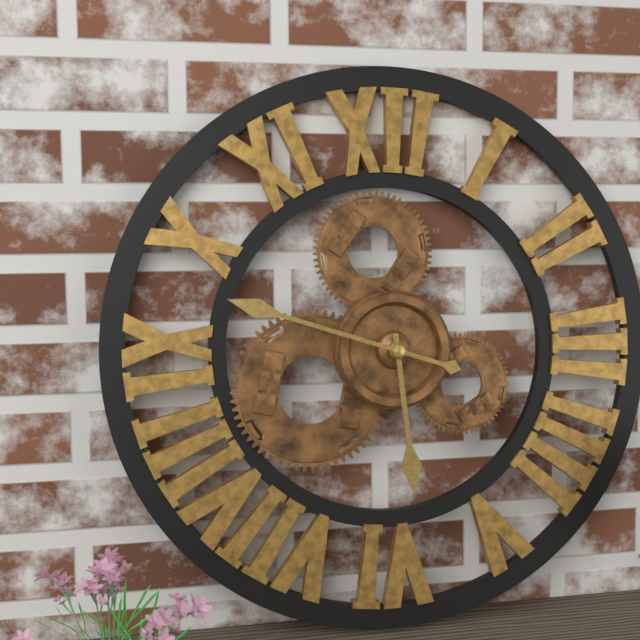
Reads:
h=5 m=48
